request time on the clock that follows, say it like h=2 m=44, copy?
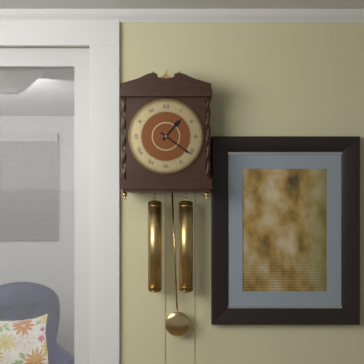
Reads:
h=1 m=21
